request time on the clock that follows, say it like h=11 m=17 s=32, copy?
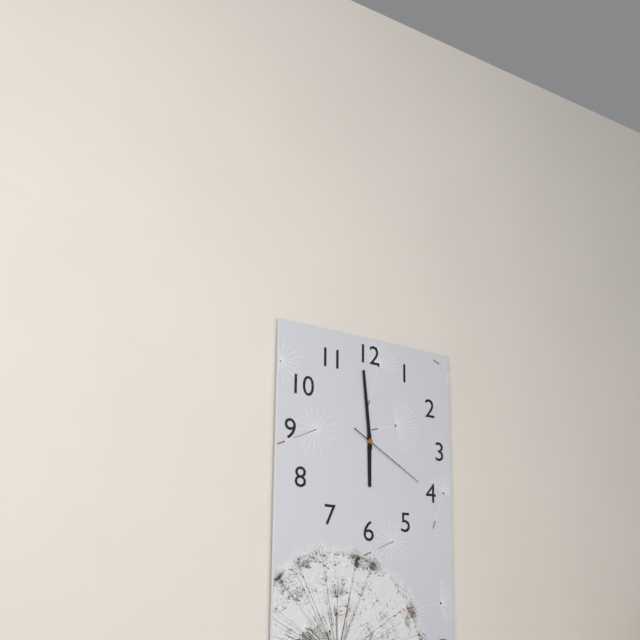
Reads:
h=5 m=59 s=20
